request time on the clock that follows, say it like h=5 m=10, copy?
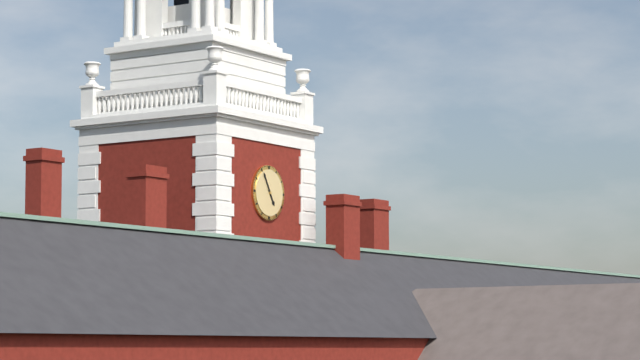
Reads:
h=4 m=55
